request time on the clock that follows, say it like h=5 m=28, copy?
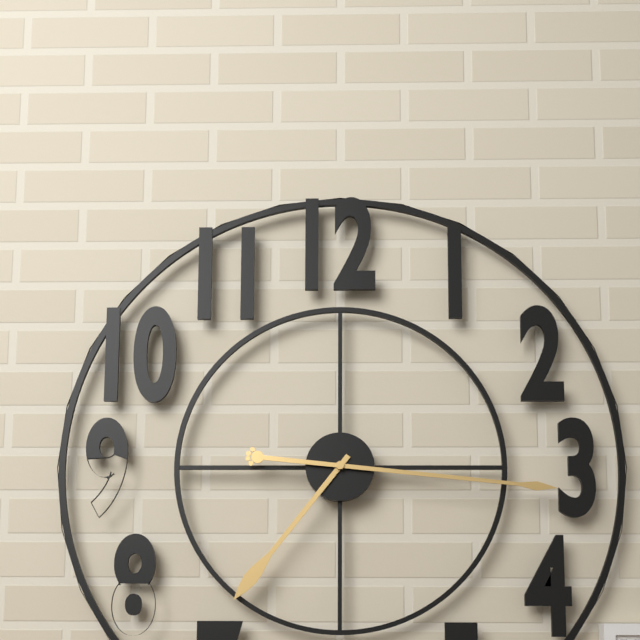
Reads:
h=7 m=16
